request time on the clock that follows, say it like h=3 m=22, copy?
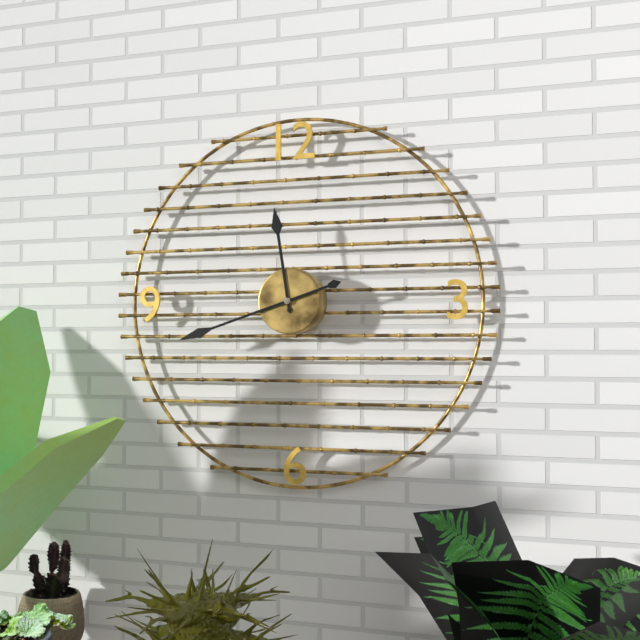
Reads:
h=11 m=42
